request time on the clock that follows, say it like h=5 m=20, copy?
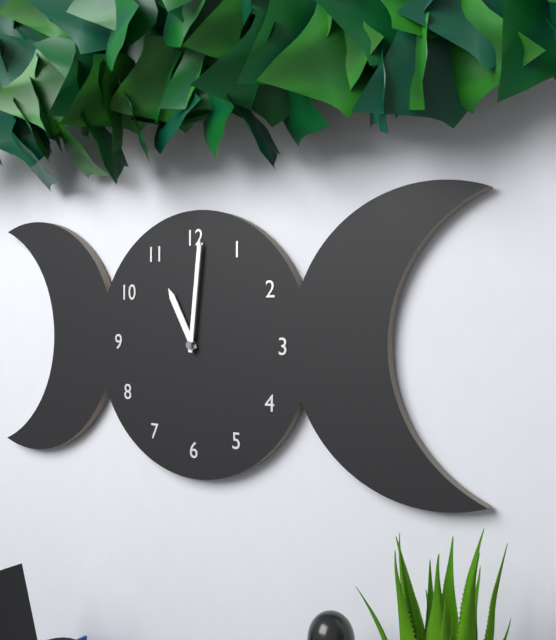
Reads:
h=11 m=1
